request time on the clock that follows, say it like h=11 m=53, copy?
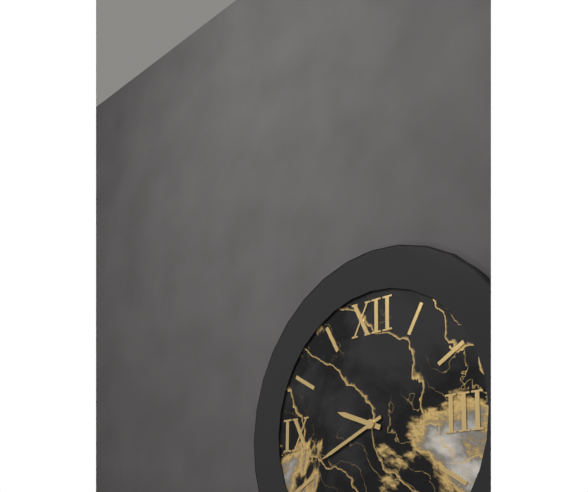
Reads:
h=9 m=41
